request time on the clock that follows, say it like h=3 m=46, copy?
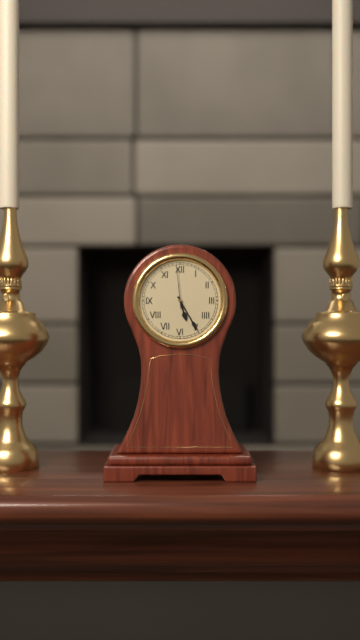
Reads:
h=5 m=25
